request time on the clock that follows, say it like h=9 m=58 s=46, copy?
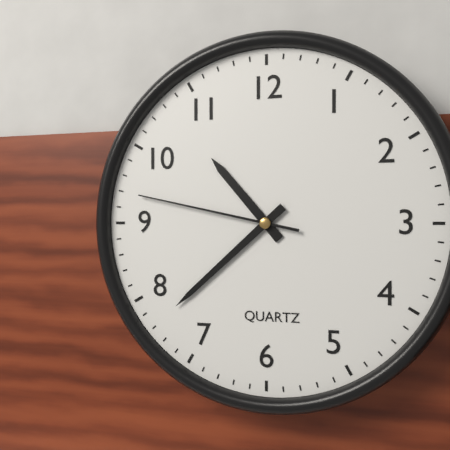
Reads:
h=10 m=38 s=47
